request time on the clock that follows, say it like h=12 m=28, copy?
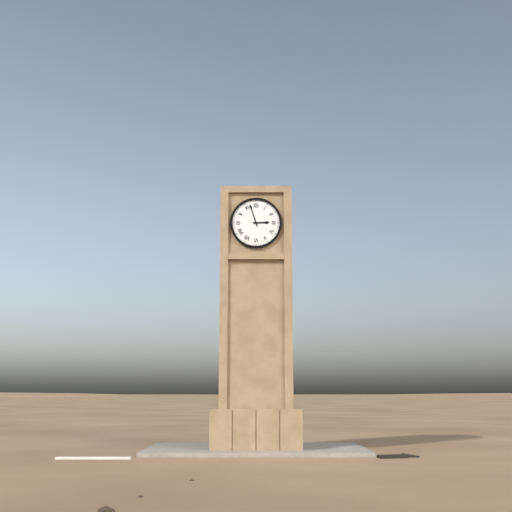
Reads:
h=2 m=57
